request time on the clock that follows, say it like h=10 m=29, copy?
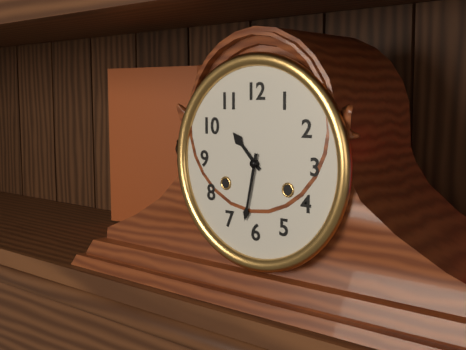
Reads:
h=10 m=32
